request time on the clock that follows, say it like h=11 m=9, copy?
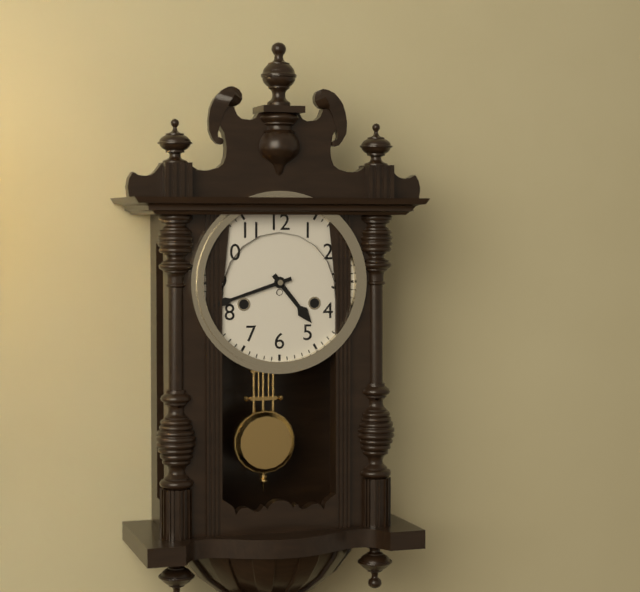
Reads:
h=4 m=42
